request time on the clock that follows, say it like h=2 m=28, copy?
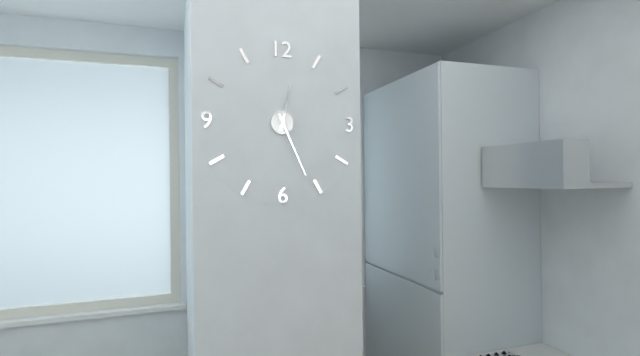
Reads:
h=12 m=26
